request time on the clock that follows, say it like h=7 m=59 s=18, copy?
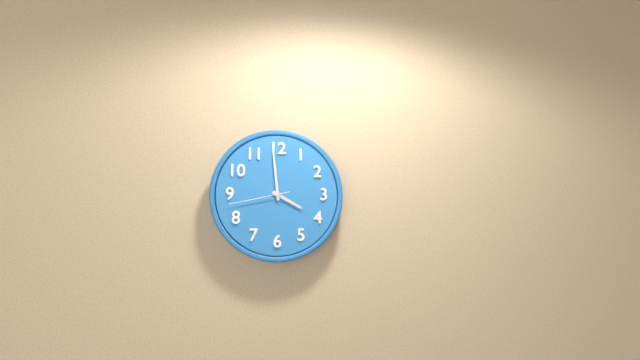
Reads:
h=3 m=59 s=43
